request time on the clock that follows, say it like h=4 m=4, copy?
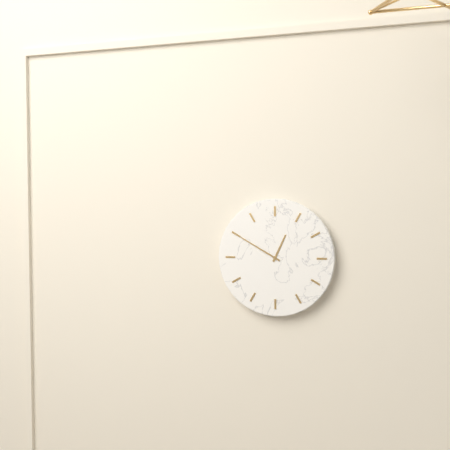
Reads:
h=12 m=50
